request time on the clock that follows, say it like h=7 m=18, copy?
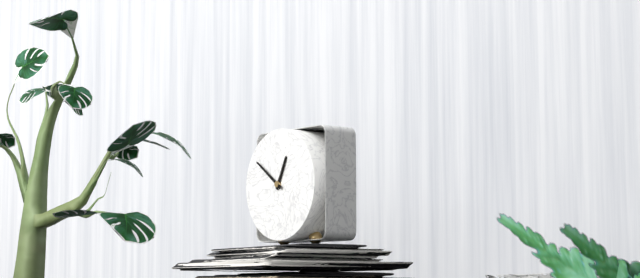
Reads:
h=12 m=51
